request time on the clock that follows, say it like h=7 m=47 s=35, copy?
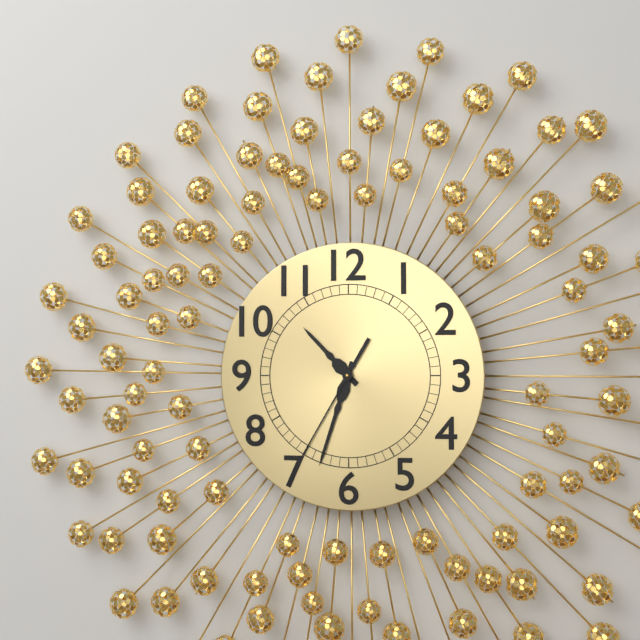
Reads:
h=10 m=33 s=35
